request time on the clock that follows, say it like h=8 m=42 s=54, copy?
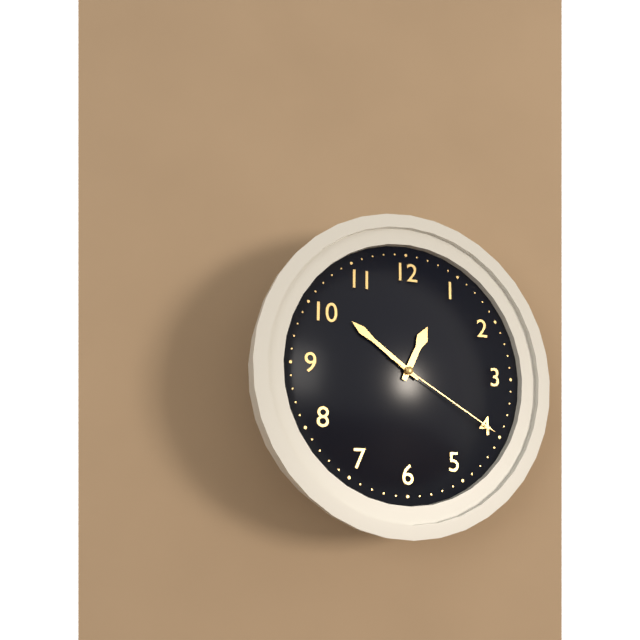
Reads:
h=12 m=51 s=20
